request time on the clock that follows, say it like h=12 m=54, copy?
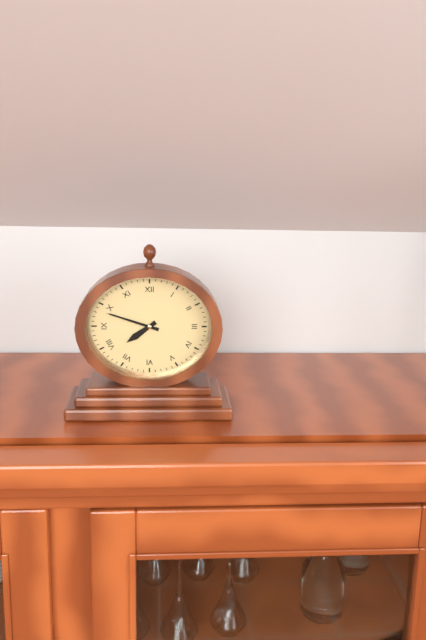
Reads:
h=7 m=48
